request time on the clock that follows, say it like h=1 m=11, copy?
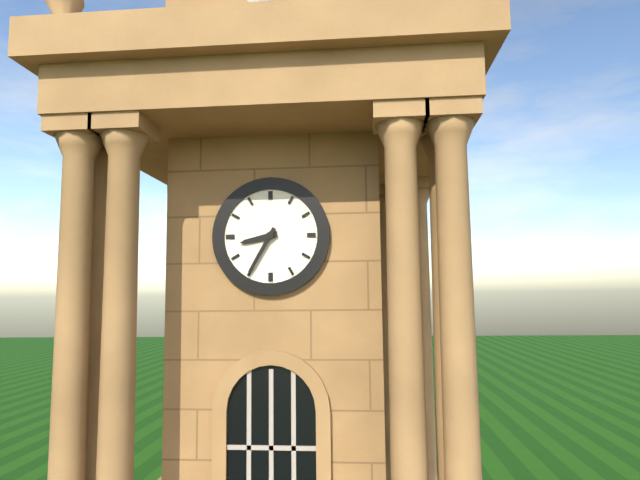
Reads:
h=8 m=35
